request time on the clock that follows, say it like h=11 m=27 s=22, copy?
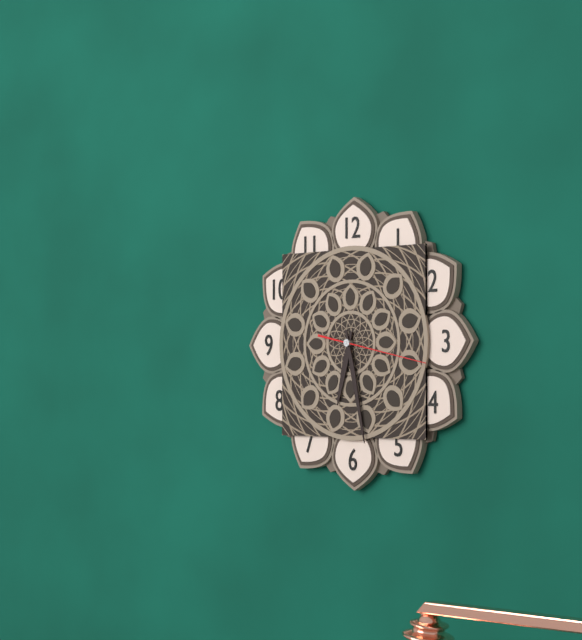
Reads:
h=6 m=28 s=17
